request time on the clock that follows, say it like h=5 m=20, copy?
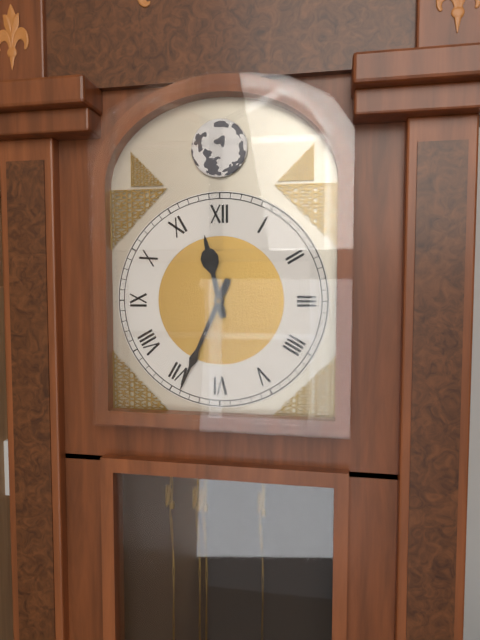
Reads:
h=11 m=34
